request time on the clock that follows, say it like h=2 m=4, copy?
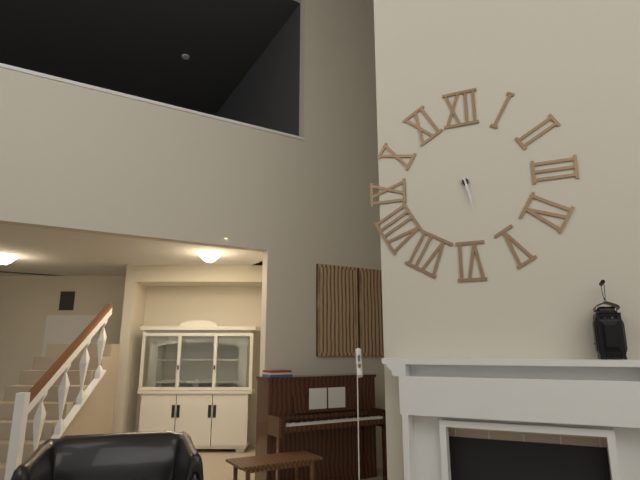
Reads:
h=5 m=28
